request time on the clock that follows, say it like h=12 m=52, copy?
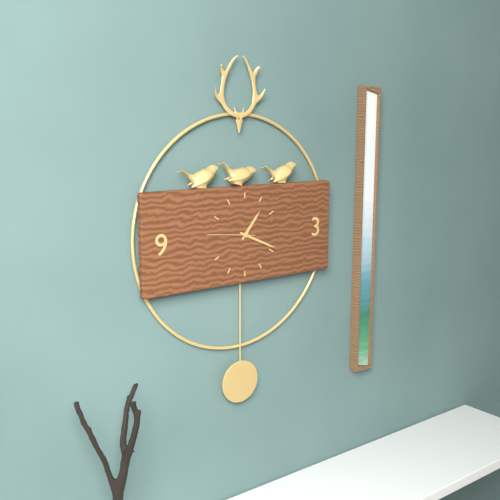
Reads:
h=1 m=19
